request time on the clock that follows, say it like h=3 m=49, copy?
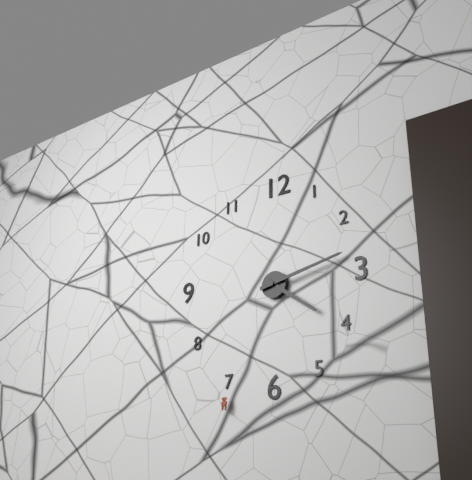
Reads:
h=4 m=13
